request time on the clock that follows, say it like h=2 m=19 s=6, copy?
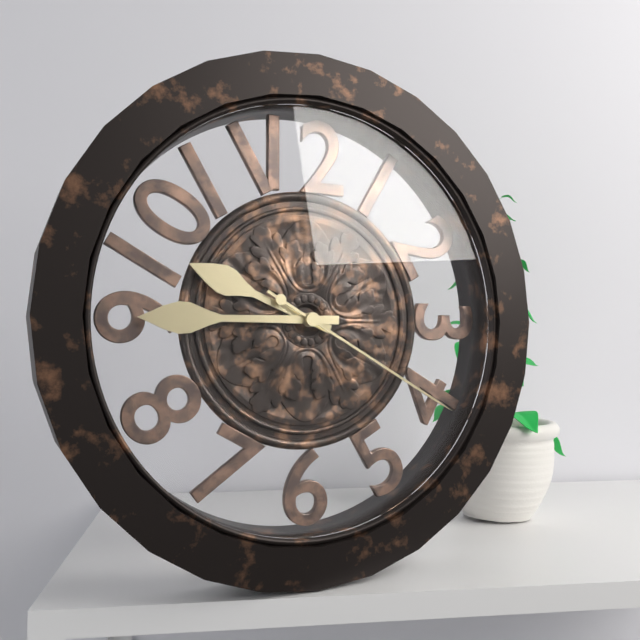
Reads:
h=9 m=45 s=20
